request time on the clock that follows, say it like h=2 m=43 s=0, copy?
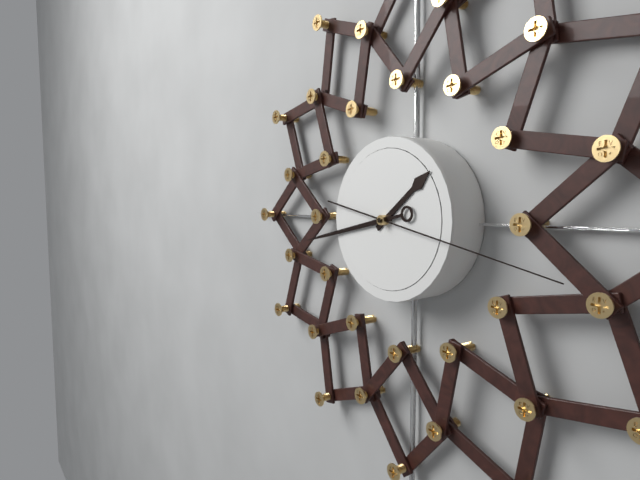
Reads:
h=1 m=43 s=17
